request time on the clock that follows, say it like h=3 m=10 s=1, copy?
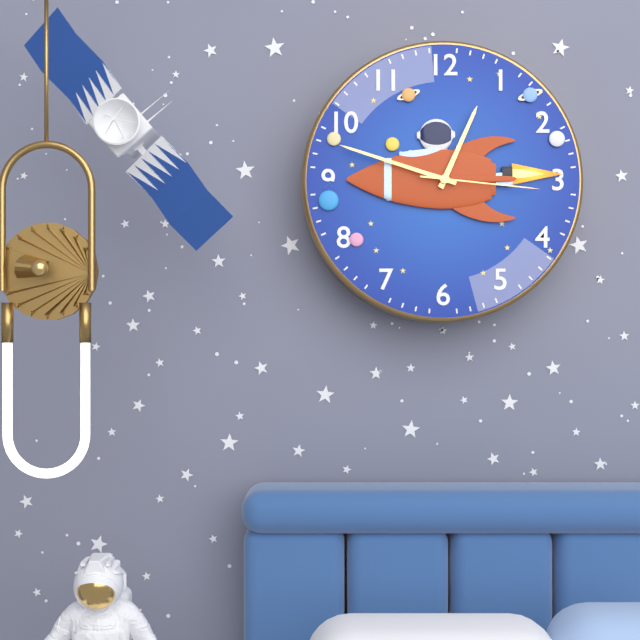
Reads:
h=12 m=48 s=16
